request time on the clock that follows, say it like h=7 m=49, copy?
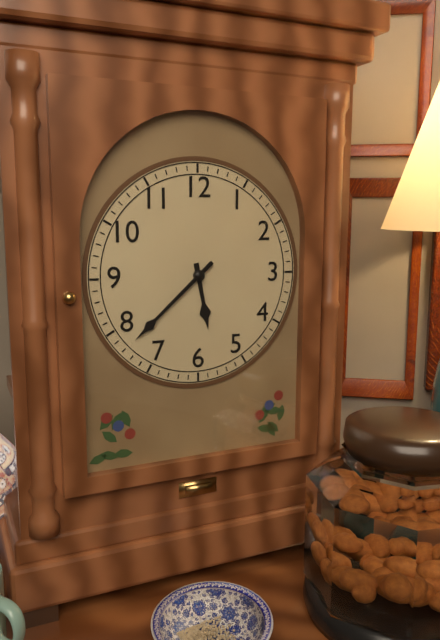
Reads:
h=5 m=38
